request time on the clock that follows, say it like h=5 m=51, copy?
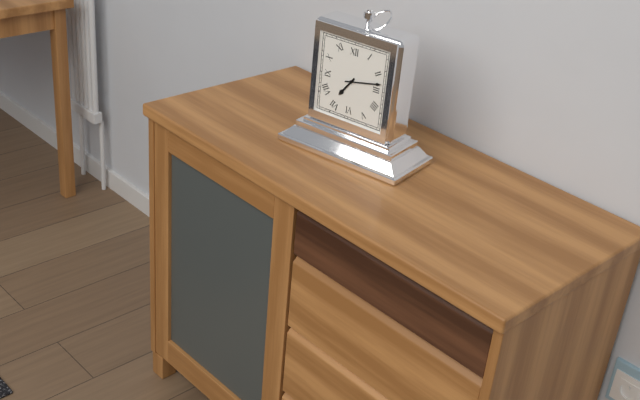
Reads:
h=7 m=13
